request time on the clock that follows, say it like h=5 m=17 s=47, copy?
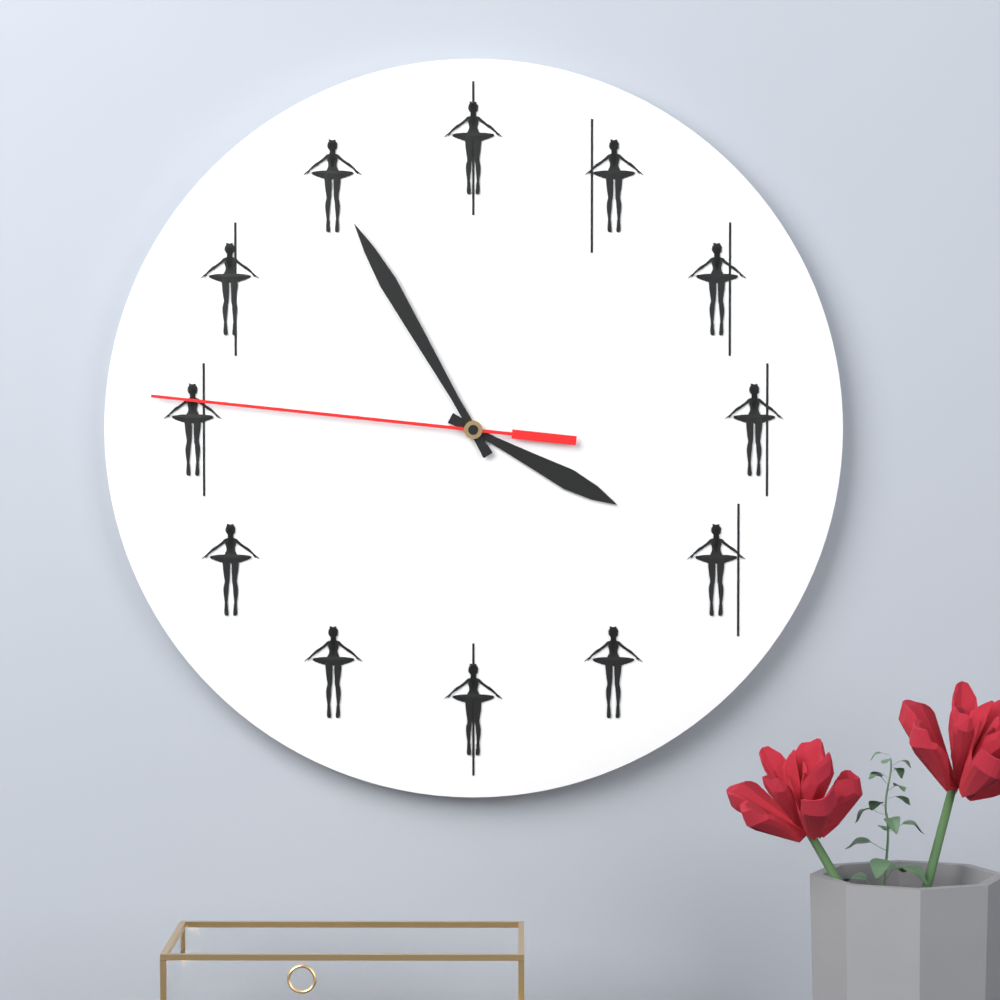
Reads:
h=3 m=55 s=46
